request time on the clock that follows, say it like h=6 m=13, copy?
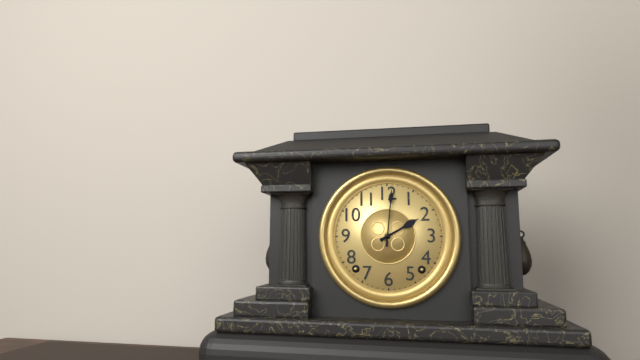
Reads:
h=2 m=1
